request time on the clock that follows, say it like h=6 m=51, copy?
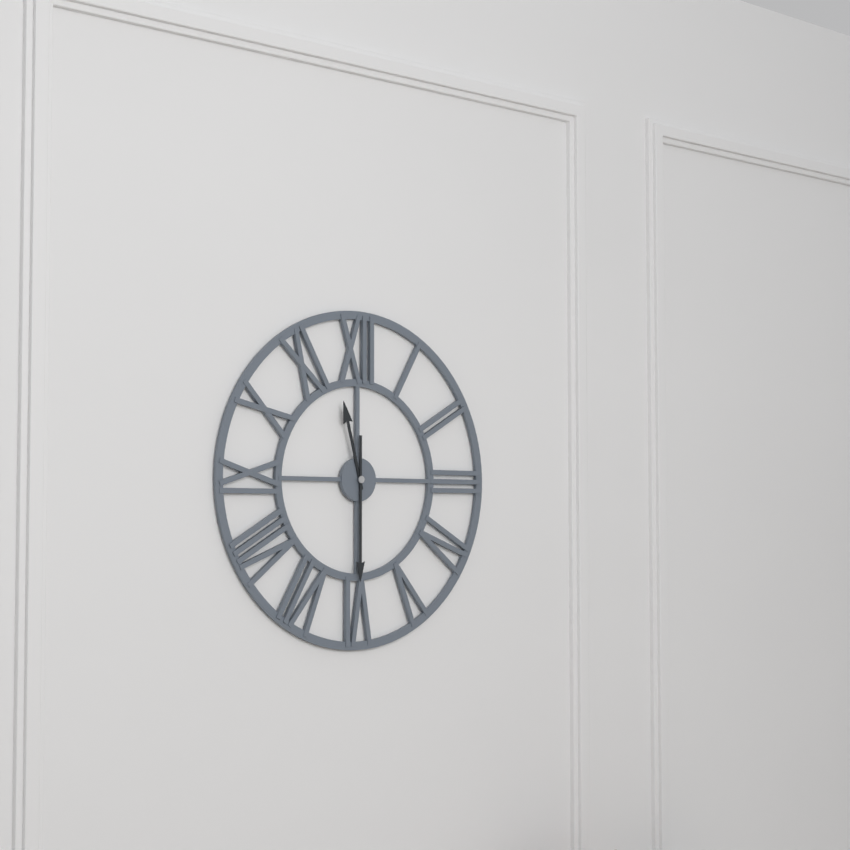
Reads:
h=11 m=30
